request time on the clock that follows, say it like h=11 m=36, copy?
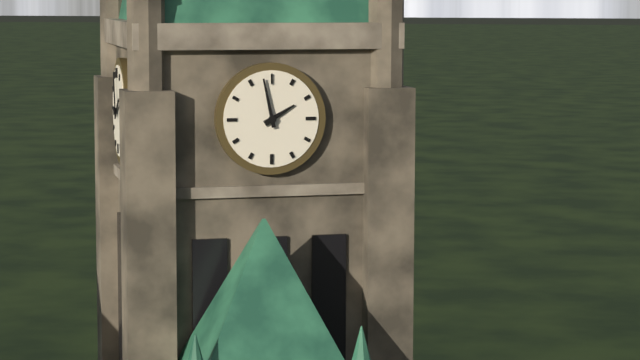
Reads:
h=1 m=58
